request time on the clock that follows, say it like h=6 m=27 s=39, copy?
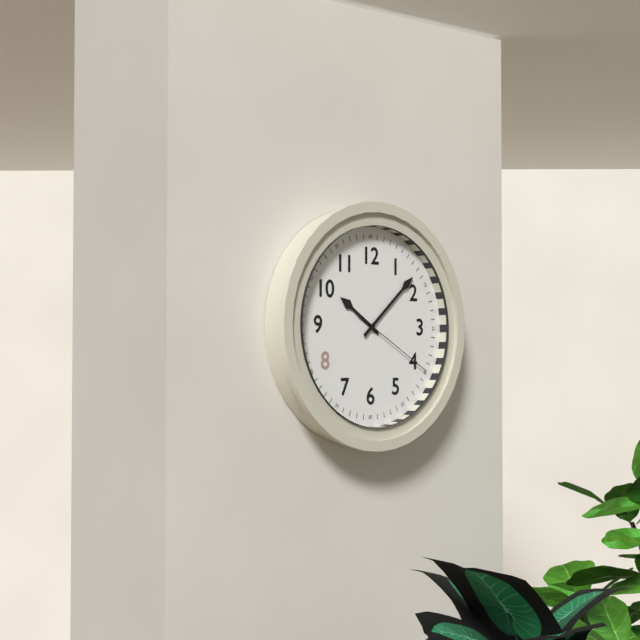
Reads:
h=10 m=8 s=20
